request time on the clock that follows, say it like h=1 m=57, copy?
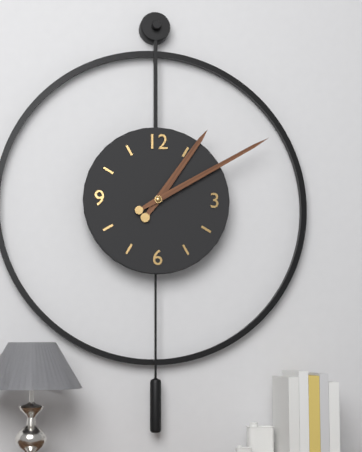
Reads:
h=1 m=10
